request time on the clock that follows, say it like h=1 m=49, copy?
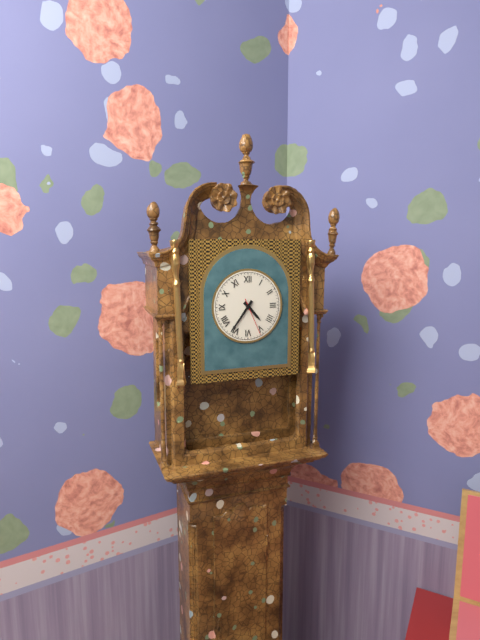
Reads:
h=4 m=36
